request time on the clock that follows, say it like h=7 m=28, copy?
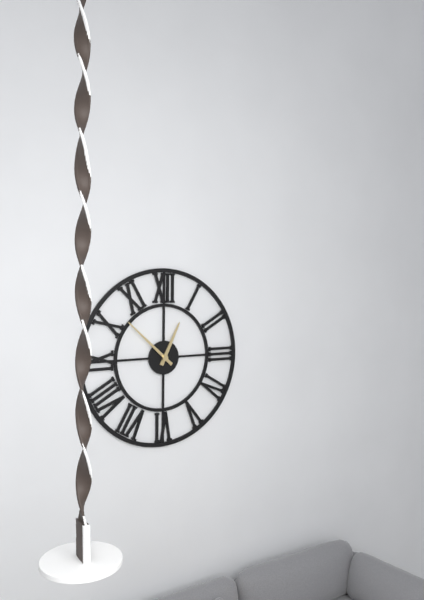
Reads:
h=12 m=52
